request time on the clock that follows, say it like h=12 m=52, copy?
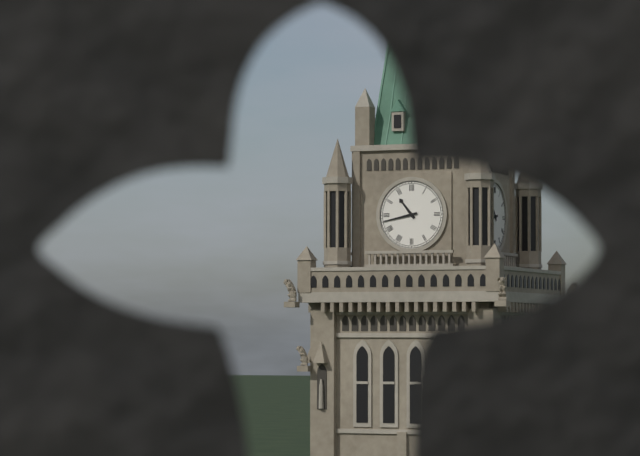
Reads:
h=10 m=43
